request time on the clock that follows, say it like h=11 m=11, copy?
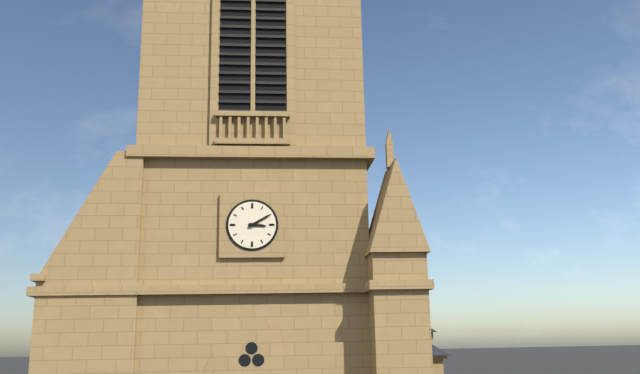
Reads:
h=3 m=10
